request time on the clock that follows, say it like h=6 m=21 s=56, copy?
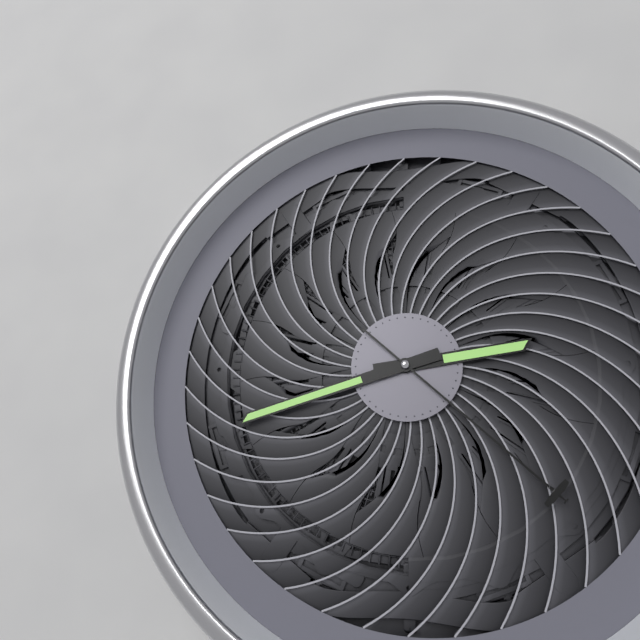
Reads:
h=2 m=42 s=22
